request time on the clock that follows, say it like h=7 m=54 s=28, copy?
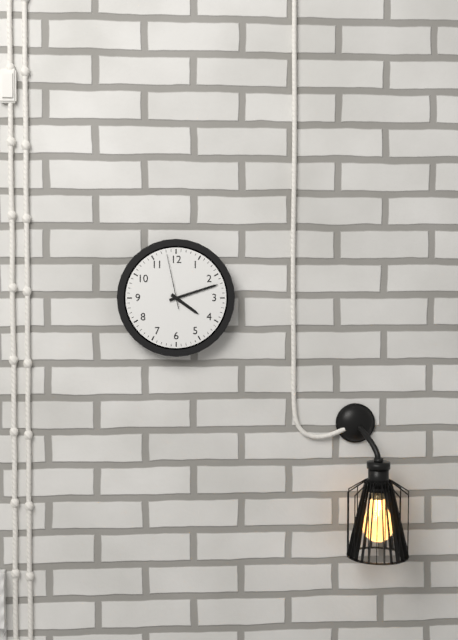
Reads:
h=4 m=12 s=58
